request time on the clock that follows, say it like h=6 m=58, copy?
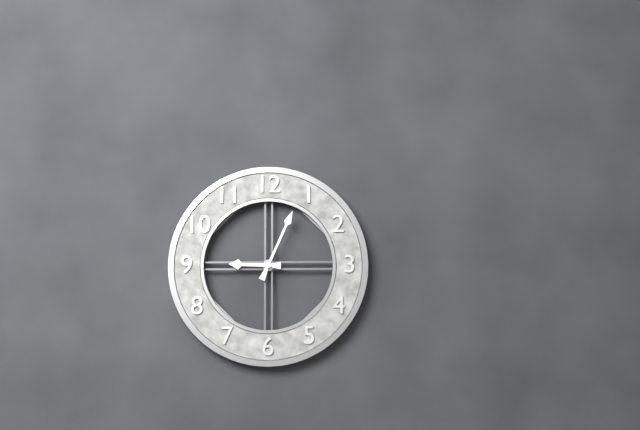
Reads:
h=9 m=4
